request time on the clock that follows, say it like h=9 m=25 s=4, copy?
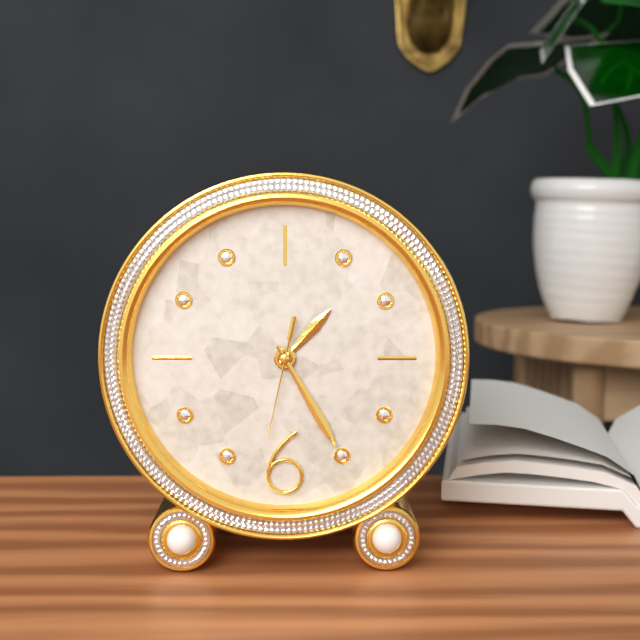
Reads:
h=1 m=25 s=32
